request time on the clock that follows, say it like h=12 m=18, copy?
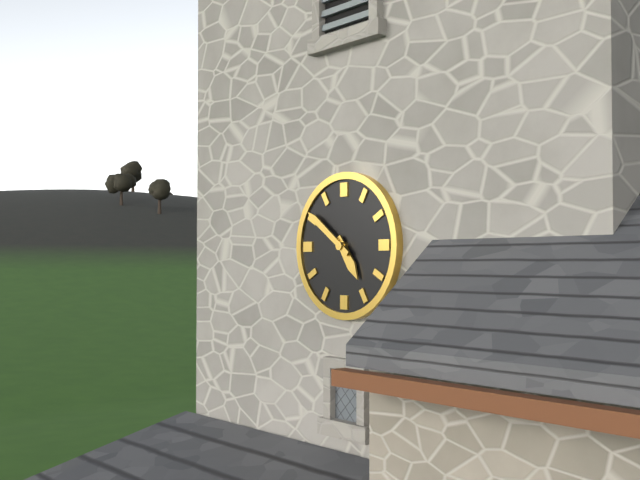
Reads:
h=4 m=51
